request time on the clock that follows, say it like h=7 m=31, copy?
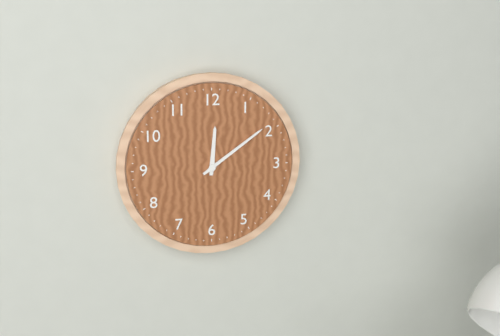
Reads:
h=12 m=9
